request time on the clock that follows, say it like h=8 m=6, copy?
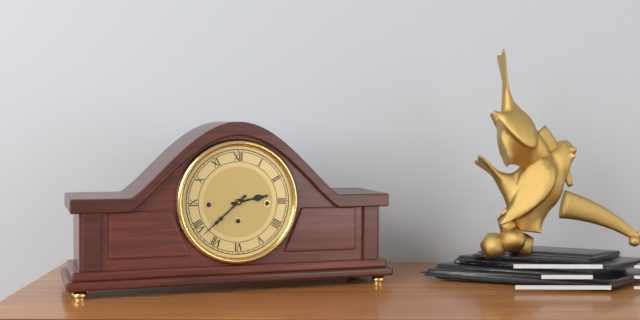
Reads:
h=2 m=38
